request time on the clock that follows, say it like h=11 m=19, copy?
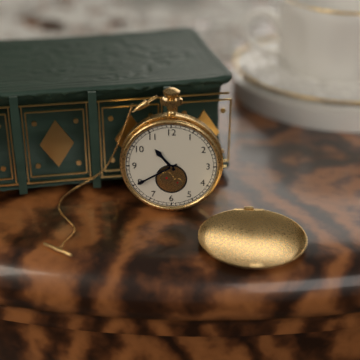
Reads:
h=10 m=40
